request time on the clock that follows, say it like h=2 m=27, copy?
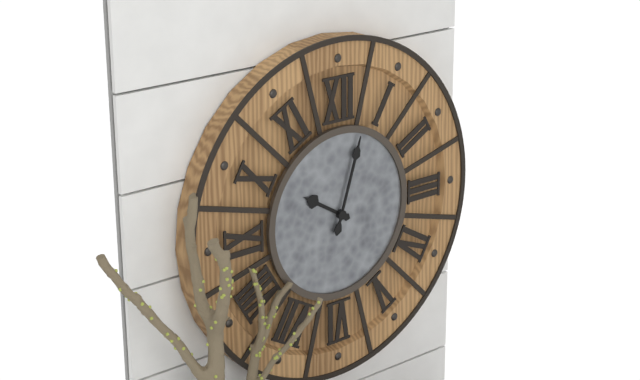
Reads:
h=10 m=3
